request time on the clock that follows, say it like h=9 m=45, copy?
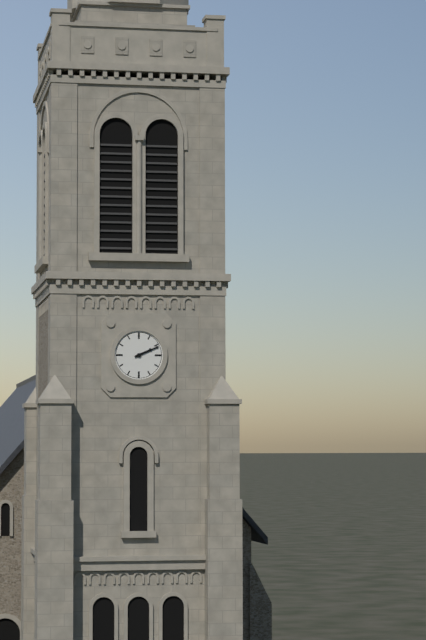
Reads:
h=2 m=11
